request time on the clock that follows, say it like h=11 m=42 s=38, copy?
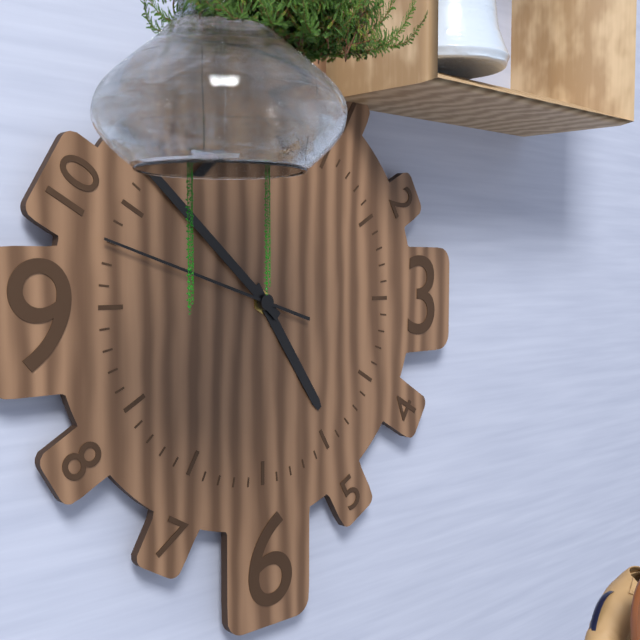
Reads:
h=4 m=52 s=48
